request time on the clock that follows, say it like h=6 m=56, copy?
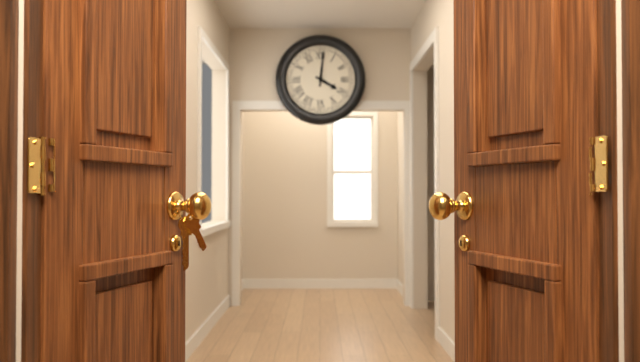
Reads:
h=4 m=1
